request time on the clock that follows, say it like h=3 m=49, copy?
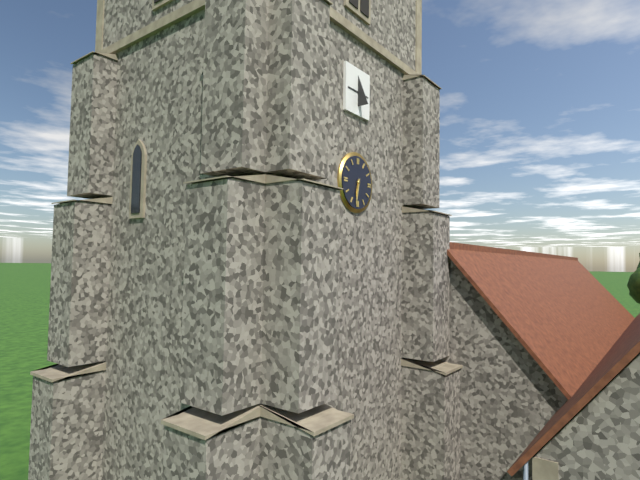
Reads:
h=6 m=32
